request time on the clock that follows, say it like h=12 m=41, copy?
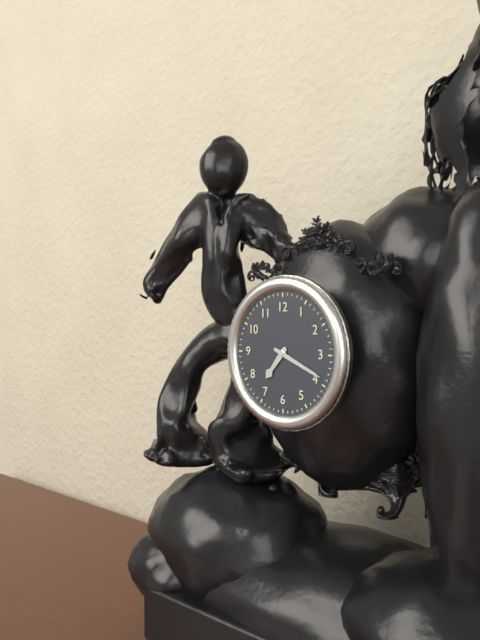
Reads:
h=7 m=19
